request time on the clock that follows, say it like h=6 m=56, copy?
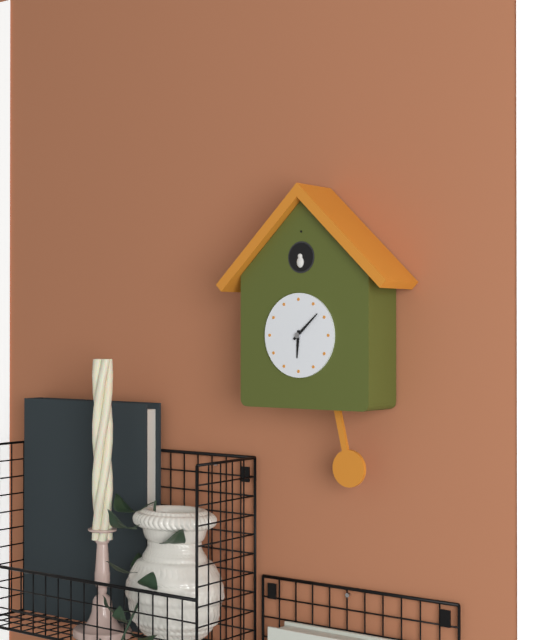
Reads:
h=6 m=8
